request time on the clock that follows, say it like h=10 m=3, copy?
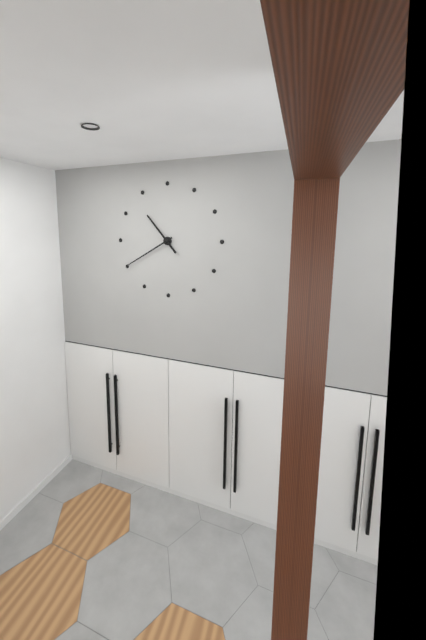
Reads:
h=10 m=40
